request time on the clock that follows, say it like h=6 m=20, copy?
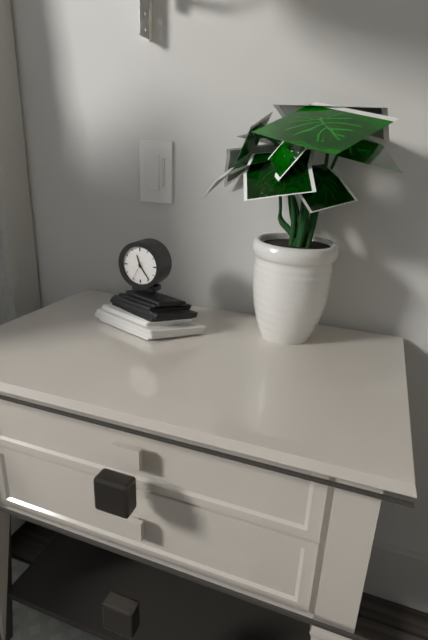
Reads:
h=11 m=24
